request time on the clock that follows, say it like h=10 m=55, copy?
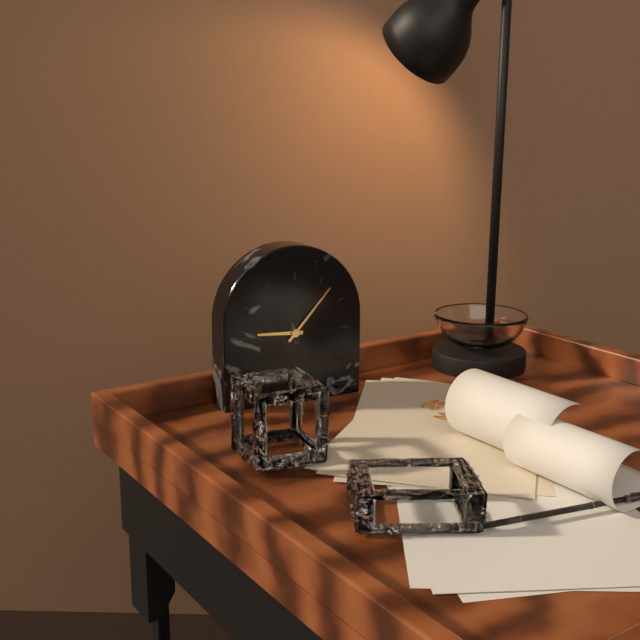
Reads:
h=9 m=7
